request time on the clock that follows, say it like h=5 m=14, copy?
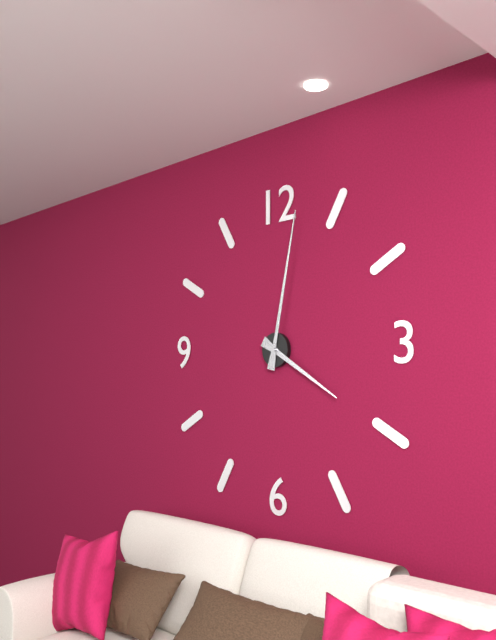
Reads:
h=4 m=2
